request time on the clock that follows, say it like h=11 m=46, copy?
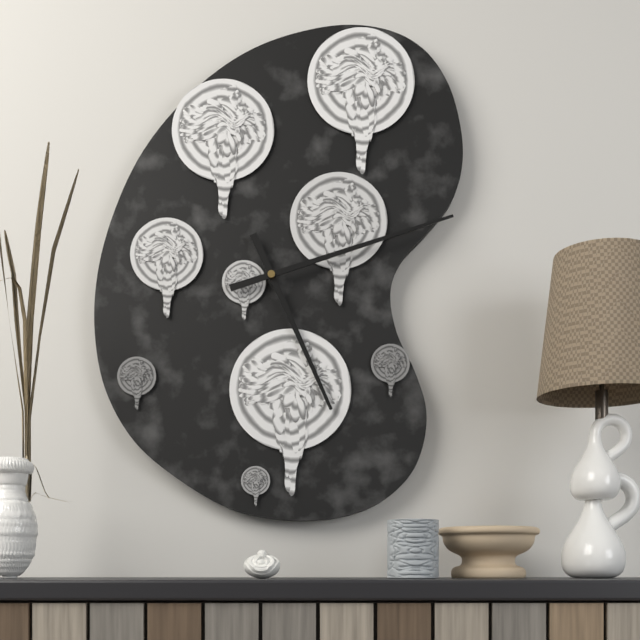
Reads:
h=5 m=12
